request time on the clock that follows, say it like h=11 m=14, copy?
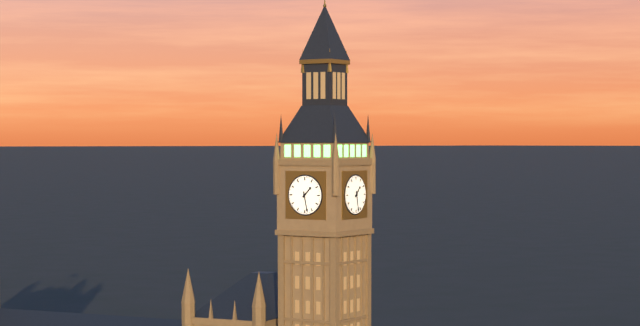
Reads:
h=1 m=28
